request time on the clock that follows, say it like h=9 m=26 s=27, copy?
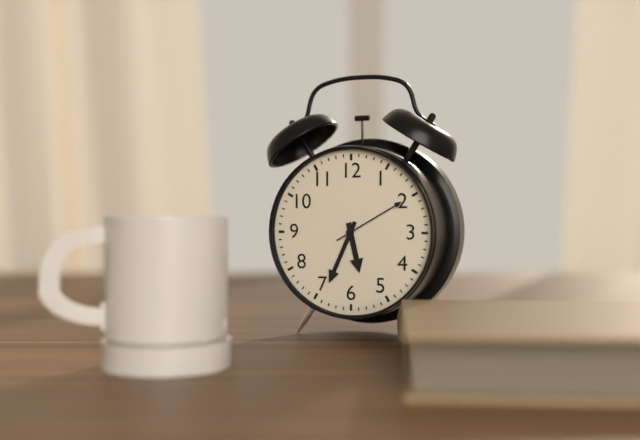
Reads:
h=5 m=34 s=10
